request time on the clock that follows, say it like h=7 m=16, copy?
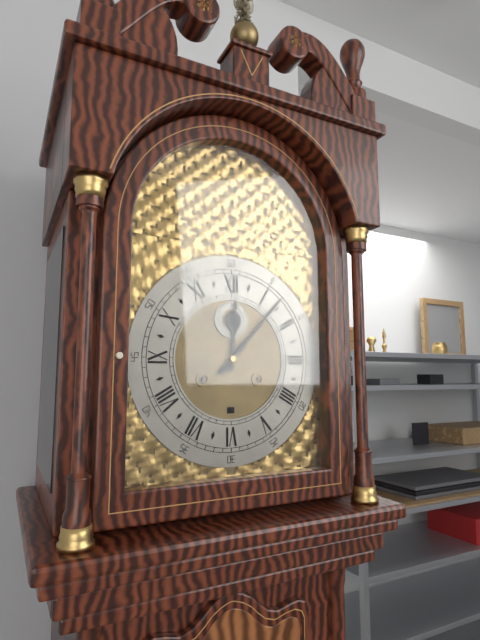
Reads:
h=12 m=7
